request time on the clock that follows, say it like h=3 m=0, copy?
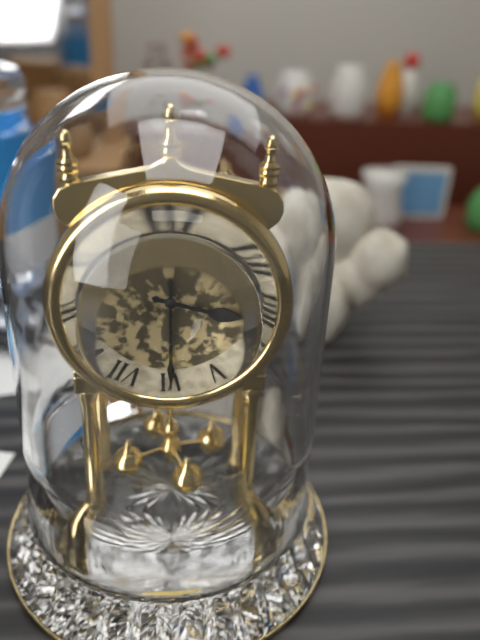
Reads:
h=3 m=30
